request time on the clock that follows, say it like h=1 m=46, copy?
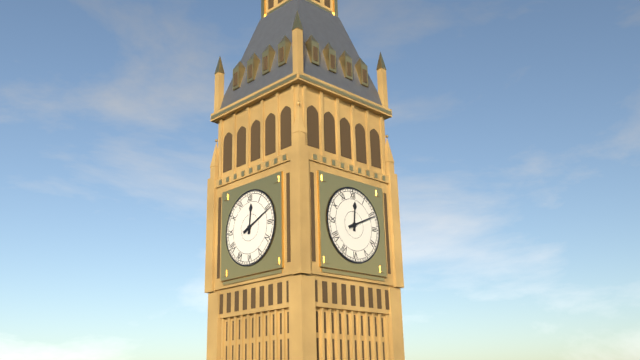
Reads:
h=12 m=11
